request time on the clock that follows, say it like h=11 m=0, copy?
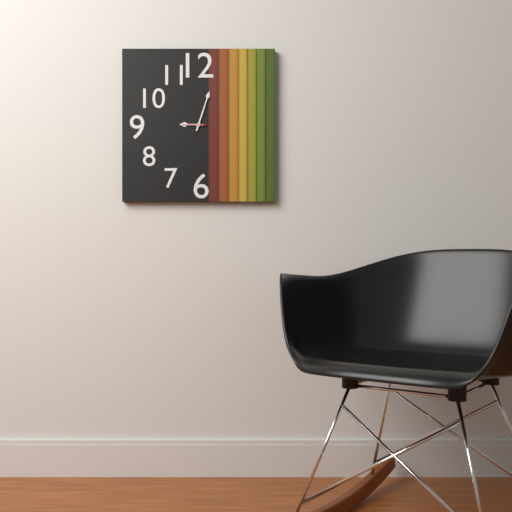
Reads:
h=9 m=3
